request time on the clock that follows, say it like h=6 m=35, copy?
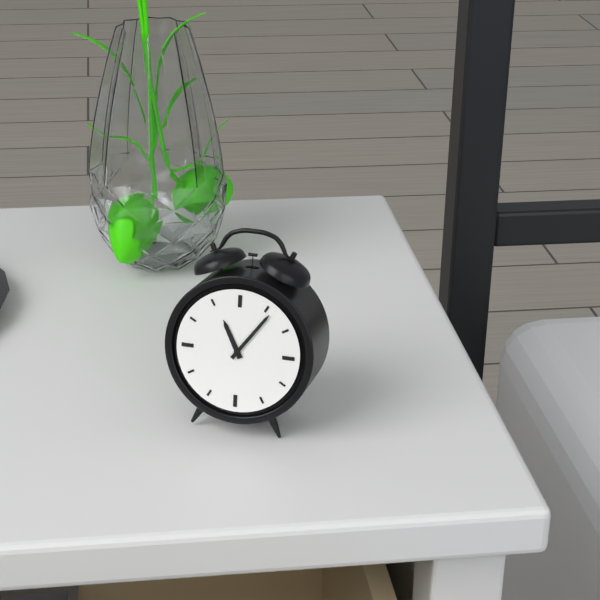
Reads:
h=11 m=6
